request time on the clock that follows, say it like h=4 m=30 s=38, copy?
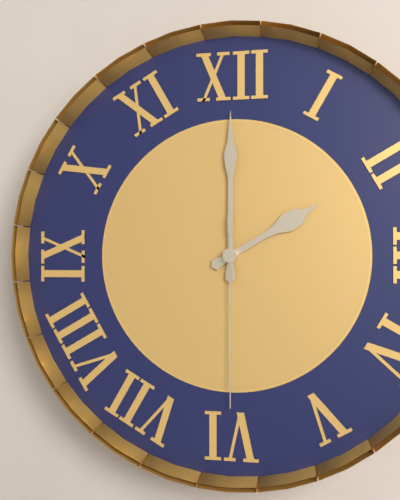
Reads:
h=2 m=0 s=30
